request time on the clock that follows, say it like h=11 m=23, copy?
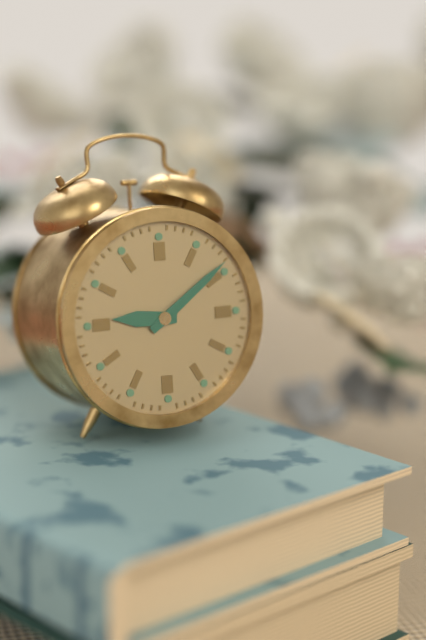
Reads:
h=9 m=9
